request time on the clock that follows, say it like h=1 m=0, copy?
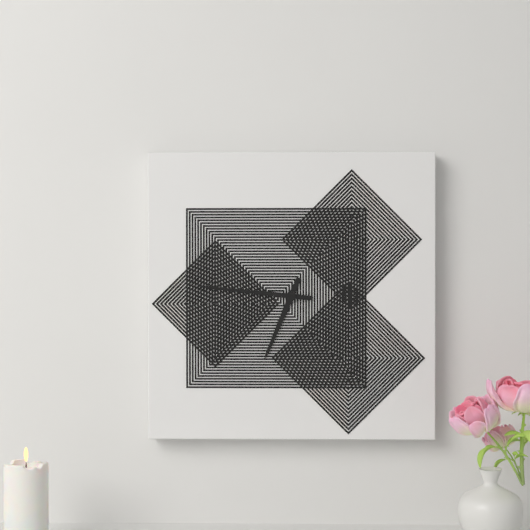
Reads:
h=6 m=46
